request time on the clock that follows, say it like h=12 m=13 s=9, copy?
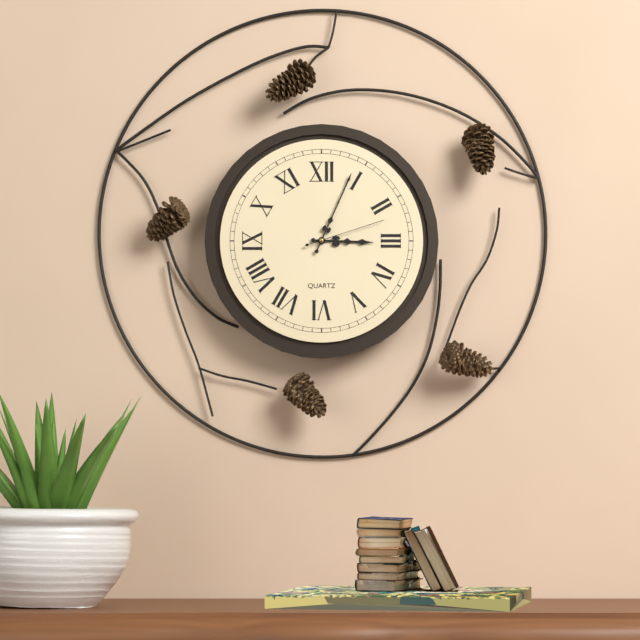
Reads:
h=3 m=4 s=12
